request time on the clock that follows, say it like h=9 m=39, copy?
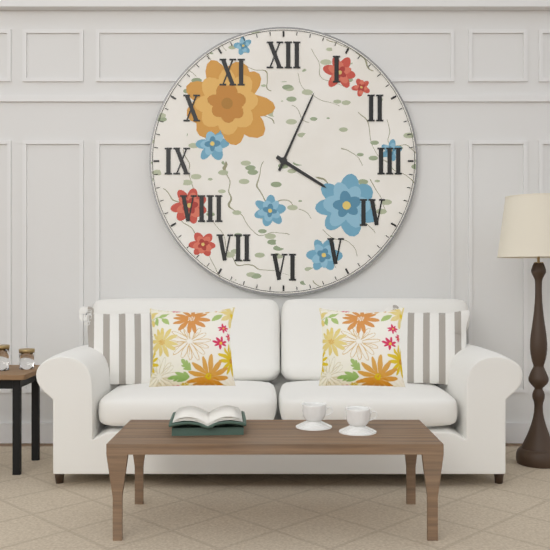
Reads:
h=4 m=4
